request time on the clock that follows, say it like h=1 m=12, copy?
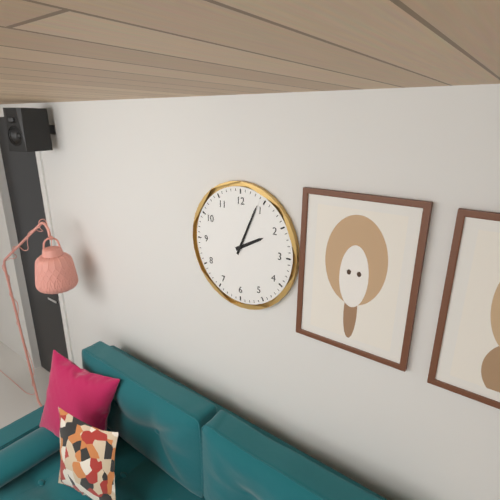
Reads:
h=2 m=4
